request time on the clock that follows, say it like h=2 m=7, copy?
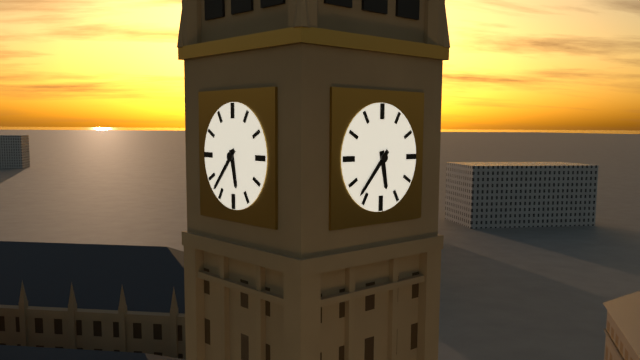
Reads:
h=5 m=37
